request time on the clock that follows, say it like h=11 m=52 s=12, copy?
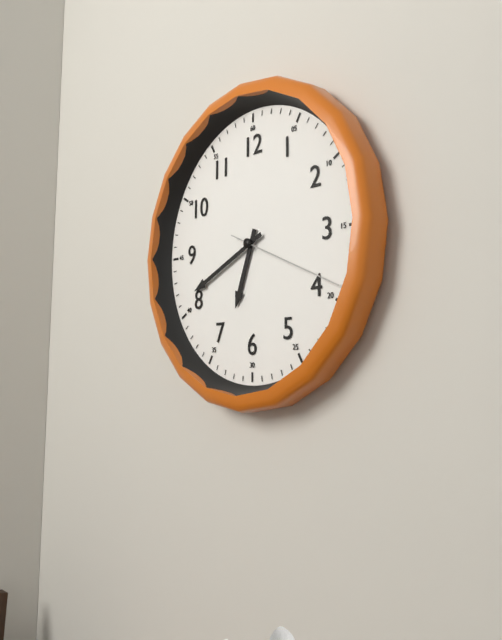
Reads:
h=6 m=41 s=19
